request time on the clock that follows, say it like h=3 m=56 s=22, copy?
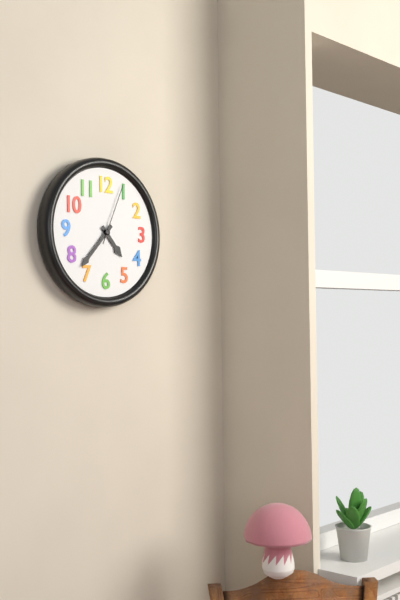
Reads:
h=4 m=37 s=4
